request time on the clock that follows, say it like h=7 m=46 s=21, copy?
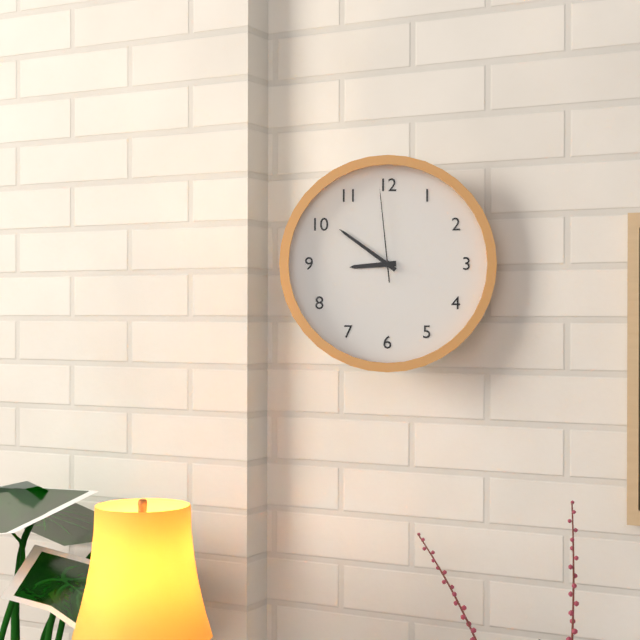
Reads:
h=8 m=51 s=59
